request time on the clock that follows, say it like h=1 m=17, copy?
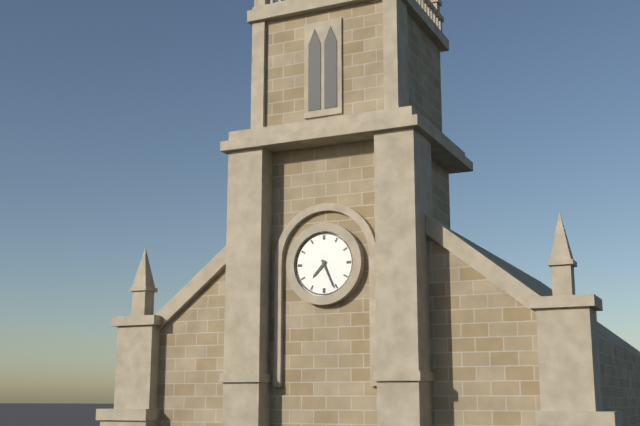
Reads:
h=7 m=26
